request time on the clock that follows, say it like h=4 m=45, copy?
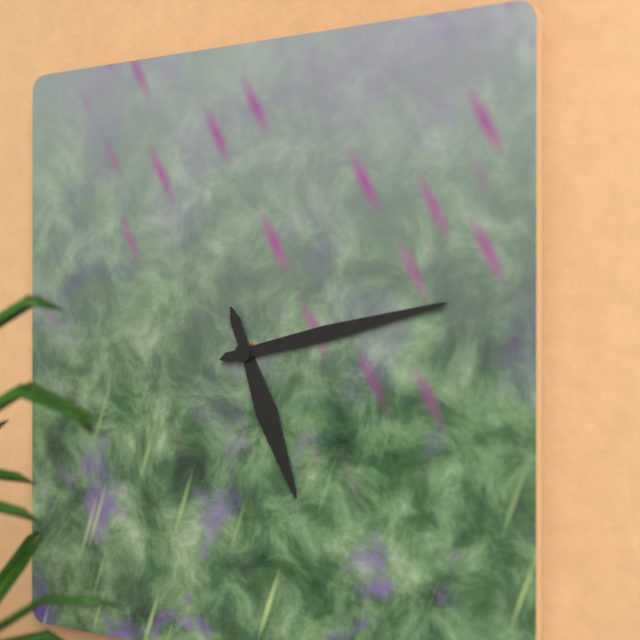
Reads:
h=5 m=13
